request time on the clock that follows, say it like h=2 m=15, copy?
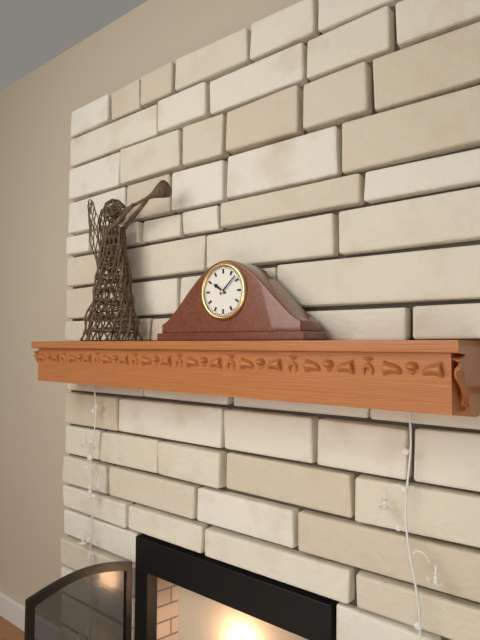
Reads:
h=10 m=8
